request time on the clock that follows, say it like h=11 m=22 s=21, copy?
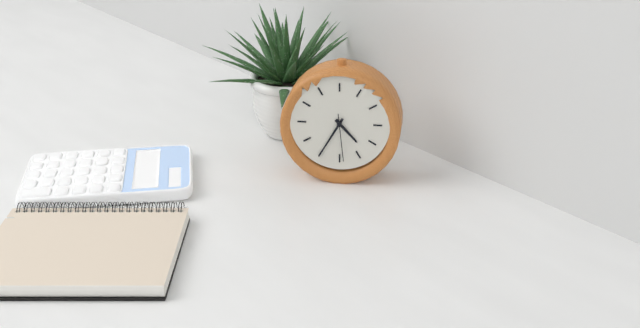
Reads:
h=4 m=35 s=29
